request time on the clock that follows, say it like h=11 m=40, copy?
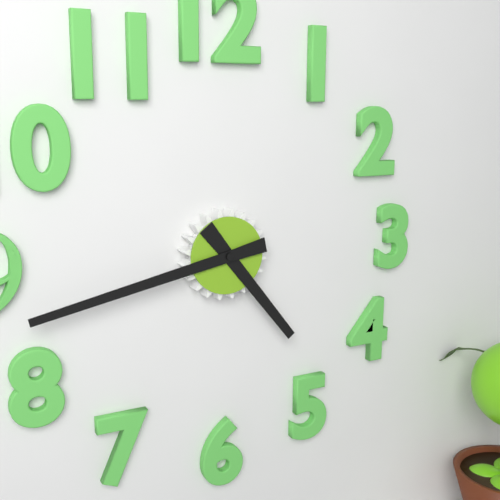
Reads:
h=4 m=43
